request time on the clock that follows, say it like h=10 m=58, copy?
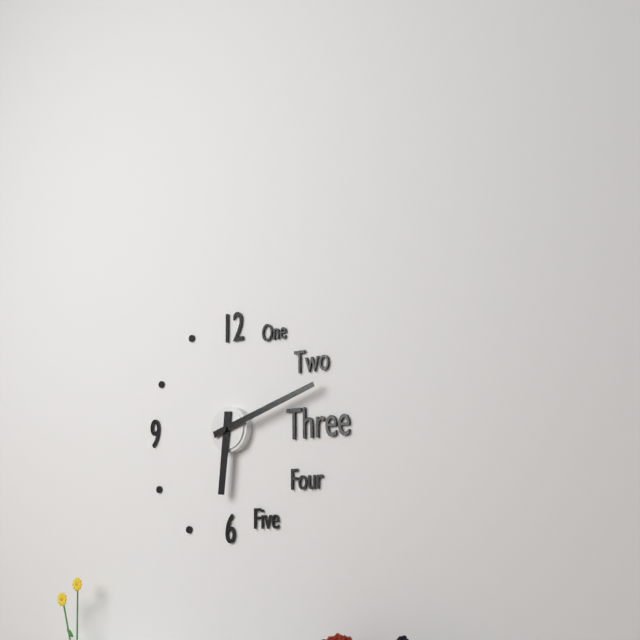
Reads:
h=6 m=12
